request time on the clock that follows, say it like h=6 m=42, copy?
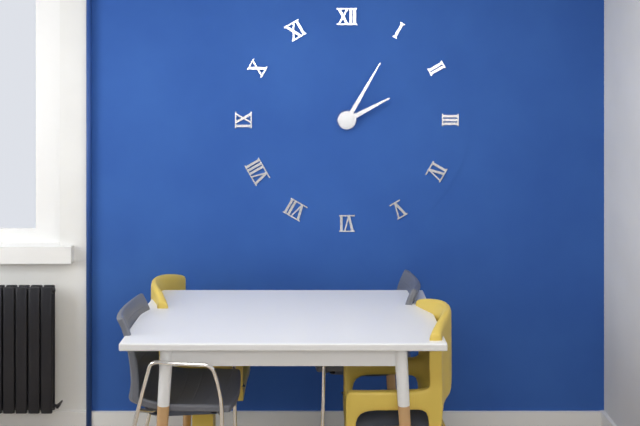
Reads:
h=2 m=5
